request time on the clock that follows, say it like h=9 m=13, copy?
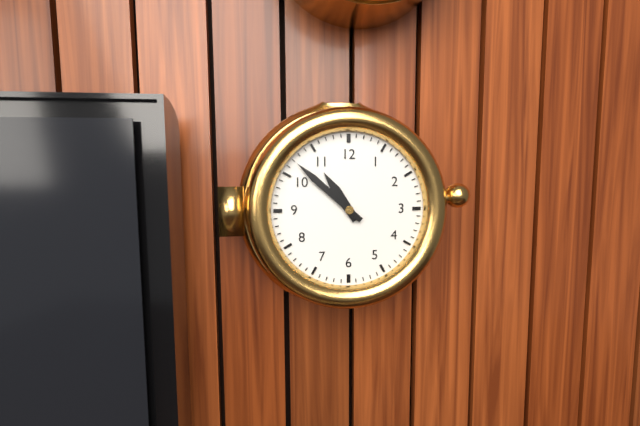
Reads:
h=10 m=52
